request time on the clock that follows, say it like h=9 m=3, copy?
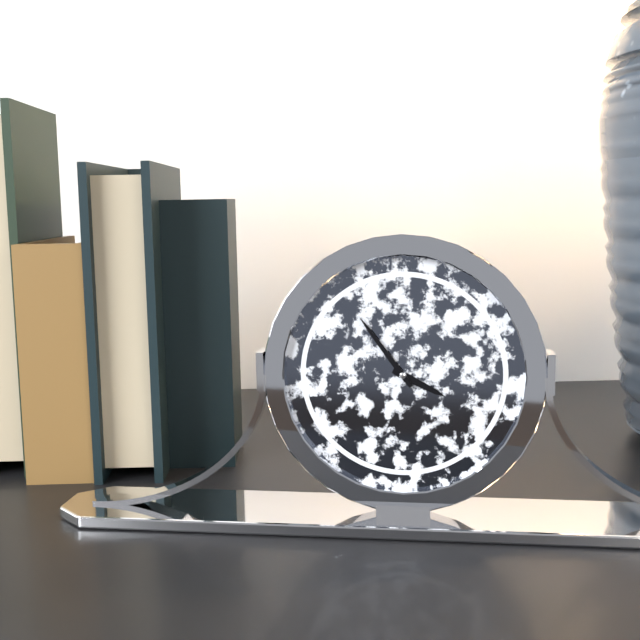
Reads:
h=3 m=54
